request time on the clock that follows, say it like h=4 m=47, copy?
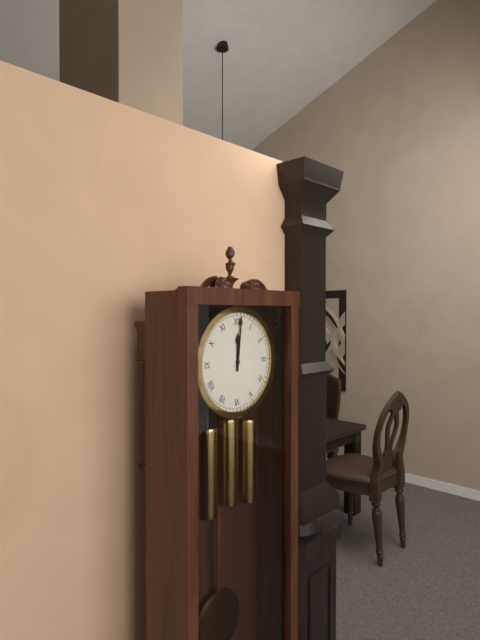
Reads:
h=12 m=1
